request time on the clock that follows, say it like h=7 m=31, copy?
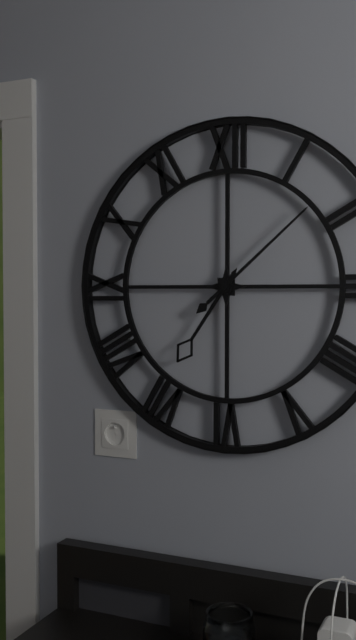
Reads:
h=7 m=8
